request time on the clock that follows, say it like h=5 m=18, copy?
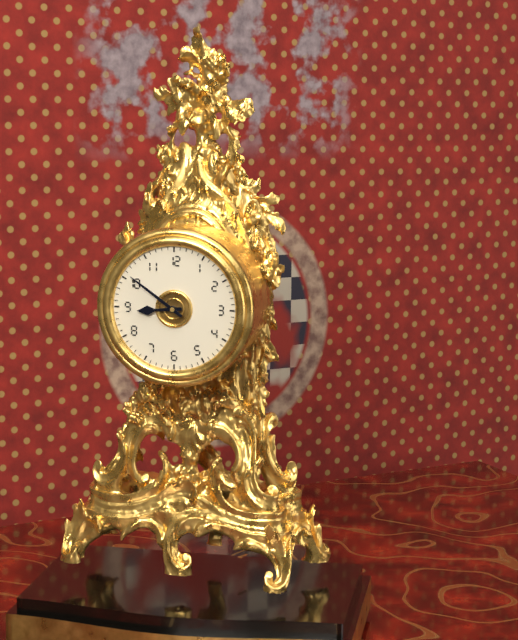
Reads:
h=8 m=51
